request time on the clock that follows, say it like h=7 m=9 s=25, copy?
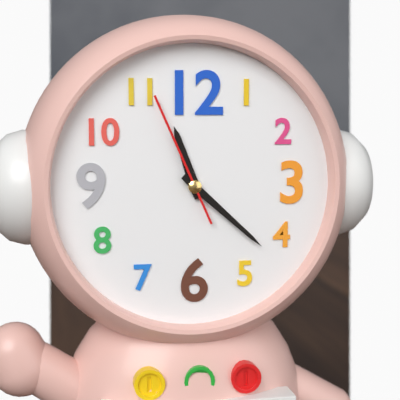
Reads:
h=11 m=22 s=56
